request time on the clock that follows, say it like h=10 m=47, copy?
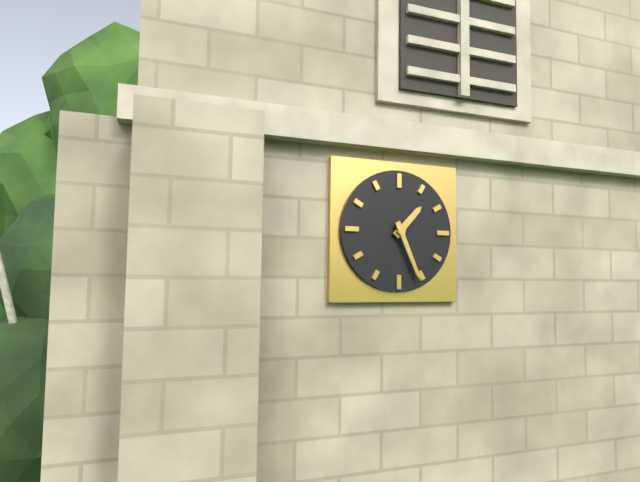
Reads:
h=1 m=26
